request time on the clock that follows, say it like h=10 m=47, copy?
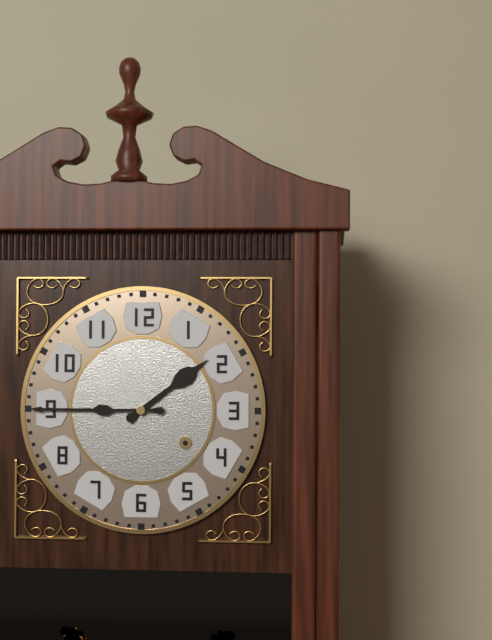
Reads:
h=1 m=45
